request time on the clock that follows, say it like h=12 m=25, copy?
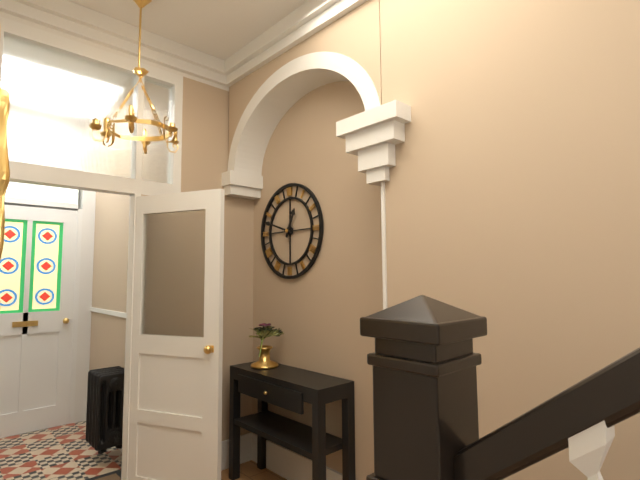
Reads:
h=12 m=48
